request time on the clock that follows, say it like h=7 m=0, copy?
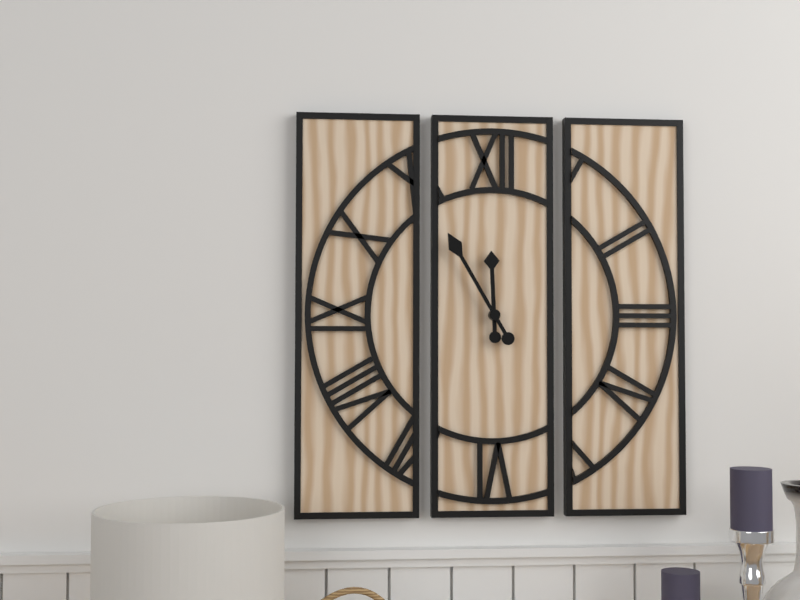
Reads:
h=11 m=55
